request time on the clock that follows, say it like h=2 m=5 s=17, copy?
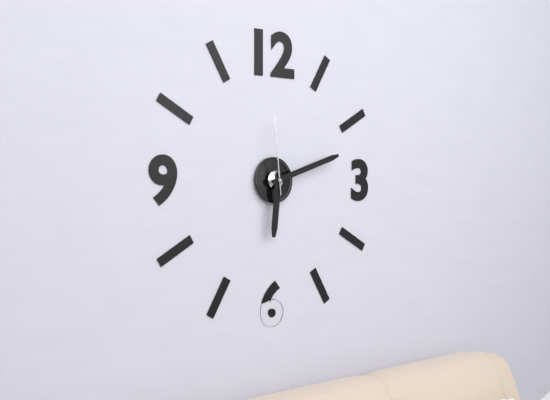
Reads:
h=6 m=12 s=59
